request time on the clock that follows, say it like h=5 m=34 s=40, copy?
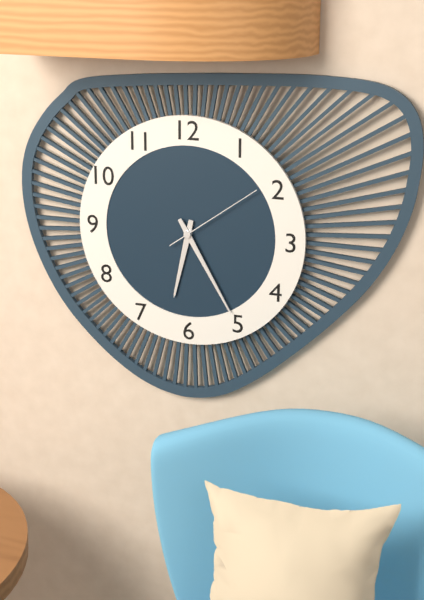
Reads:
h=6 m=25 s=9
